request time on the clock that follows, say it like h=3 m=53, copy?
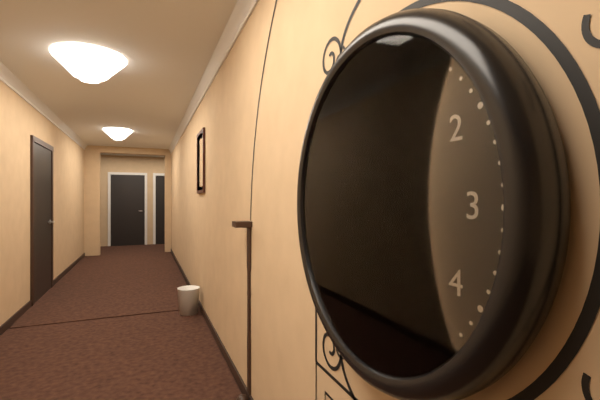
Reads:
h=9 m=38
